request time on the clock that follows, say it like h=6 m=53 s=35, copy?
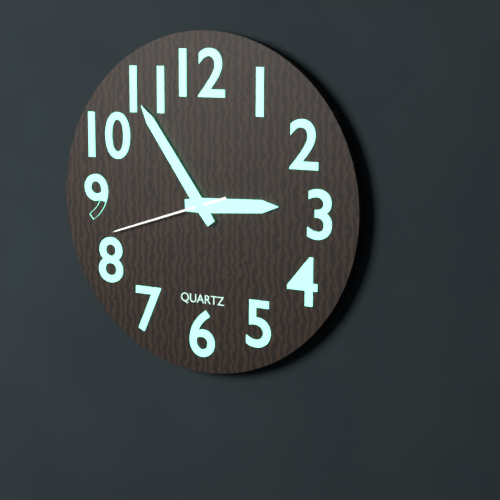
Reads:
h=2 m=54 s=42
